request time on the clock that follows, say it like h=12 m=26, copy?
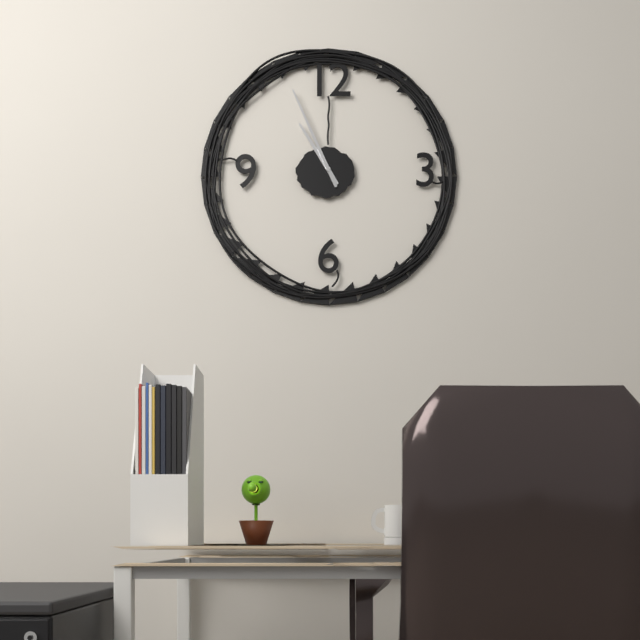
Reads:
h=10 m=56
